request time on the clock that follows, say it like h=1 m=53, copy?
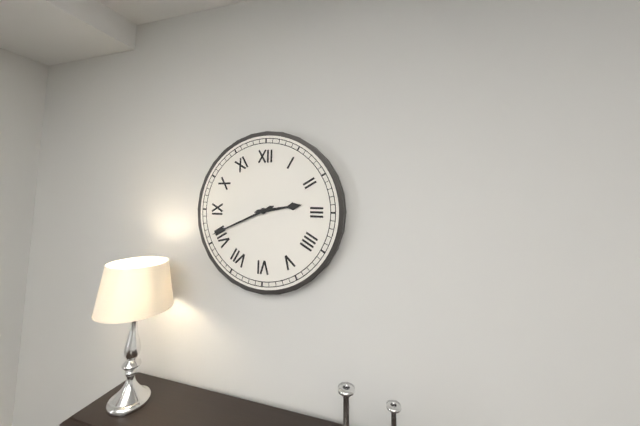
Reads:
h=2 m=41
